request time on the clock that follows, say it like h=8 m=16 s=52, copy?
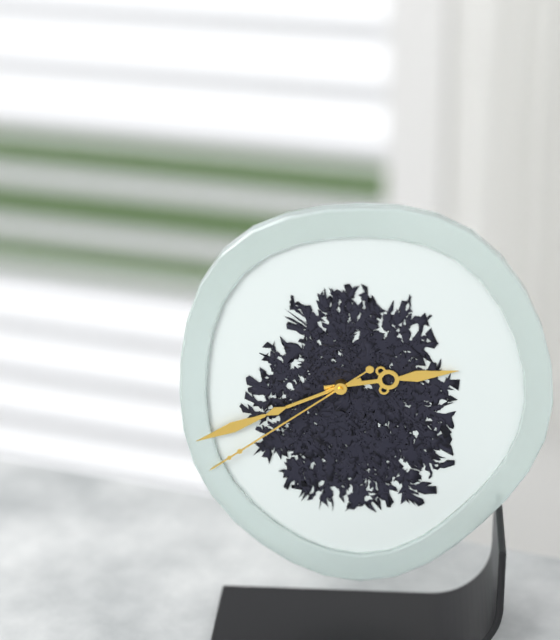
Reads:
h=2 m=41 s=39
